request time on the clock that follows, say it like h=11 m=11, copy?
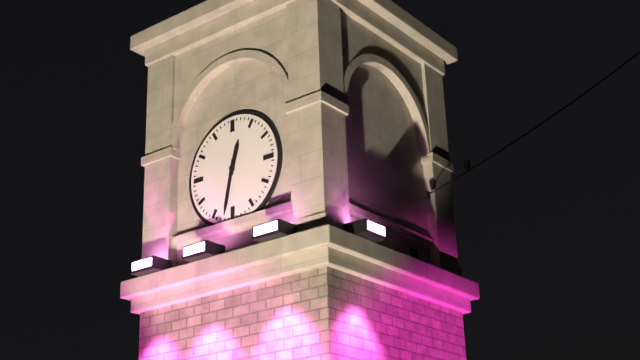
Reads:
h=12 m=32
